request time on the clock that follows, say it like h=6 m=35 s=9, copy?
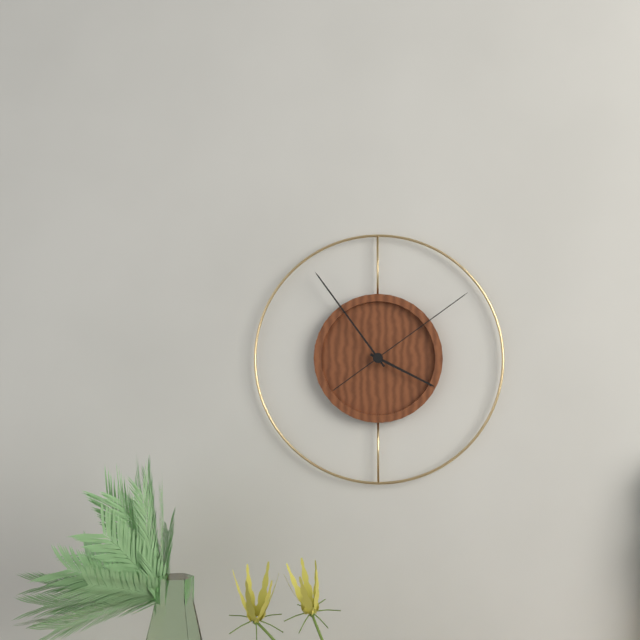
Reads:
h=3 m=54 s=9
